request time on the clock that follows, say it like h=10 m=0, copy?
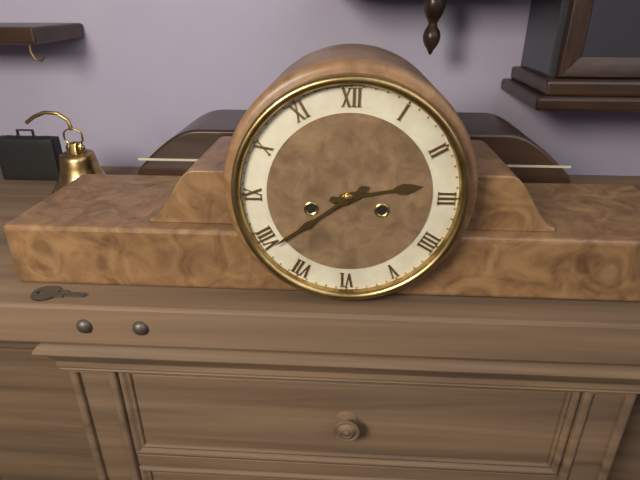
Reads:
h=2 m=39
